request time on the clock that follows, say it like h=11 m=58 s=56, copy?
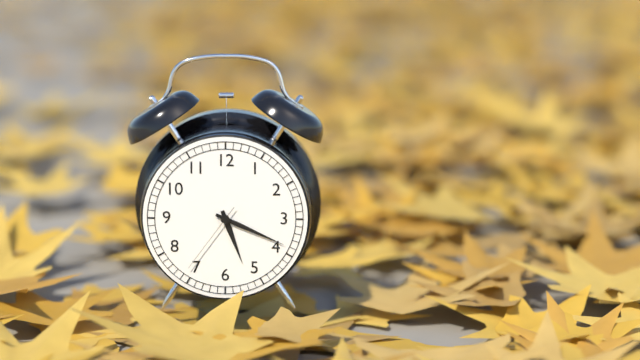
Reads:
h=5 m=19 s=36
